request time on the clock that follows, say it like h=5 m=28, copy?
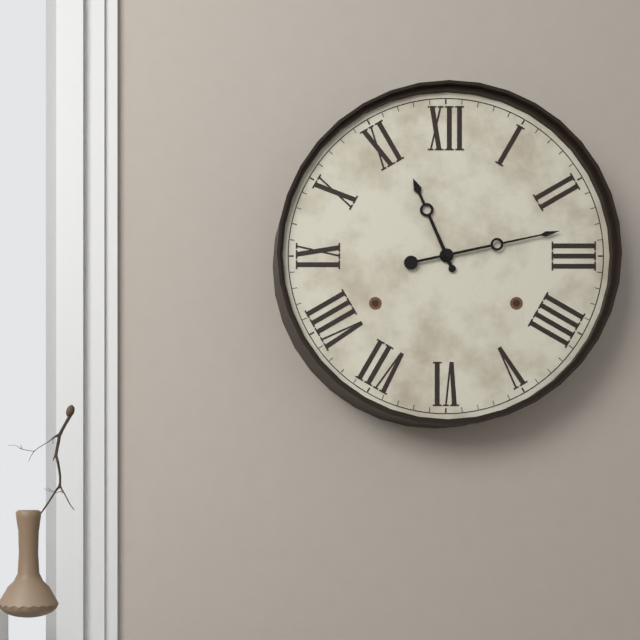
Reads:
h=11 m=13
